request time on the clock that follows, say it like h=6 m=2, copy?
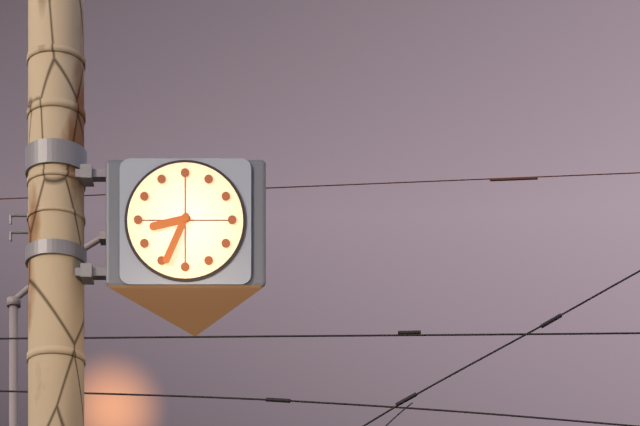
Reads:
h=8 m=34
